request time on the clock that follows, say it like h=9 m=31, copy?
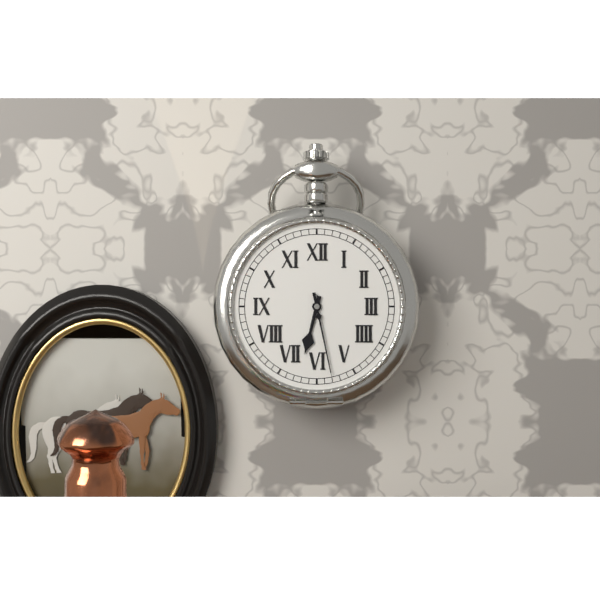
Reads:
h=6 m=28
